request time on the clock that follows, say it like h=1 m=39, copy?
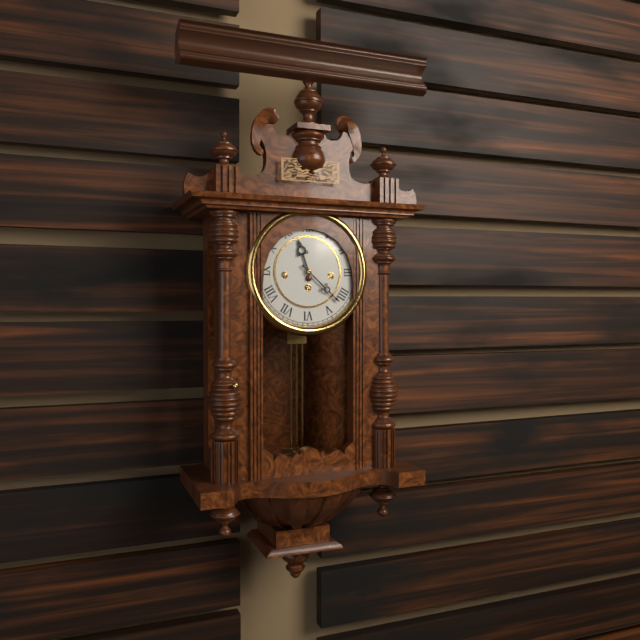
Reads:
h=11 m=22
